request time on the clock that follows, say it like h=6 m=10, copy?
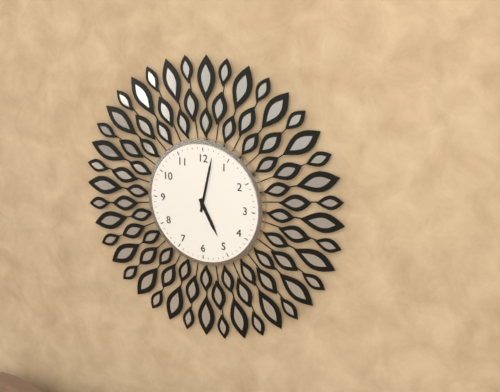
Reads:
h=5 m=2
